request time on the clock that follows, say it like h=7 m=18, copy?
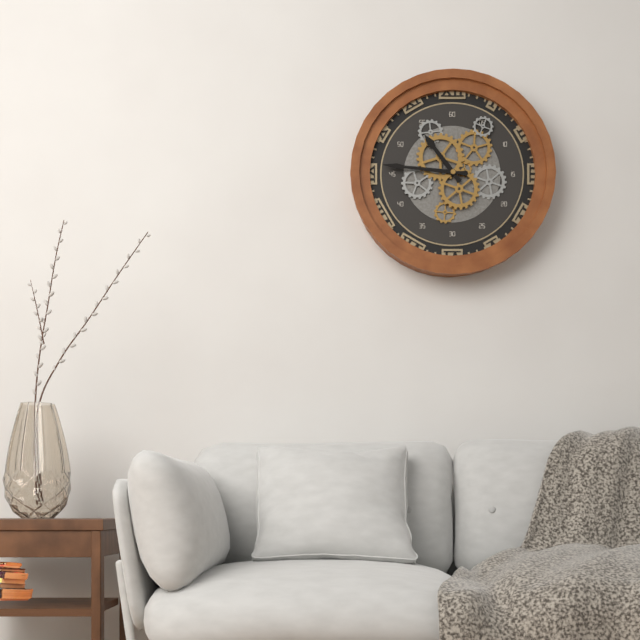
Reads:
h=10 m=46
